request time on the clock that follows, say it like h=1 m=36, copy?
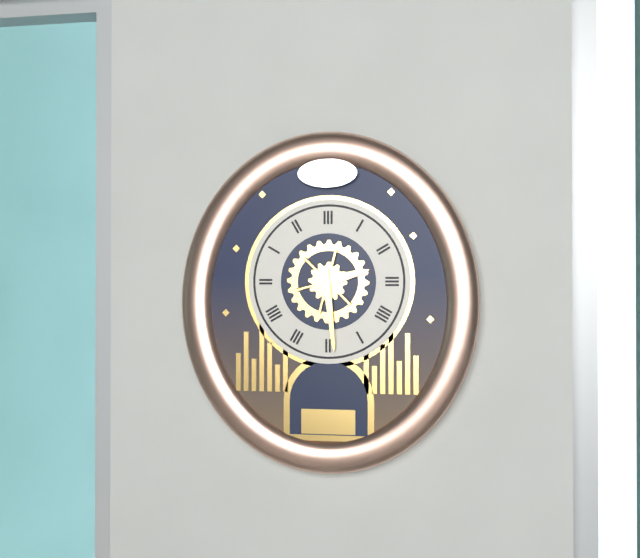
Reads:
h=2 m=29
